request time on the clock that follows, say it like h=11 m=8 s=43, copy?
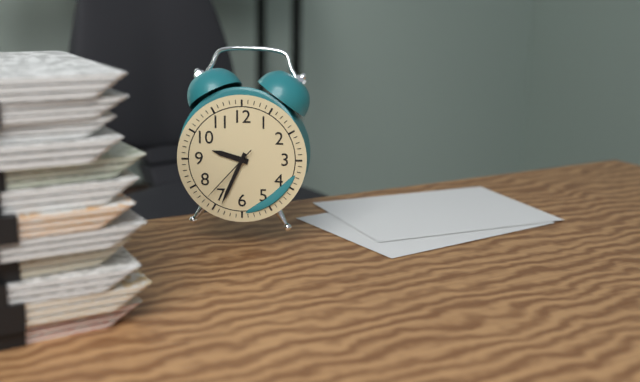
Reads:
h=9 m=34 s=37
